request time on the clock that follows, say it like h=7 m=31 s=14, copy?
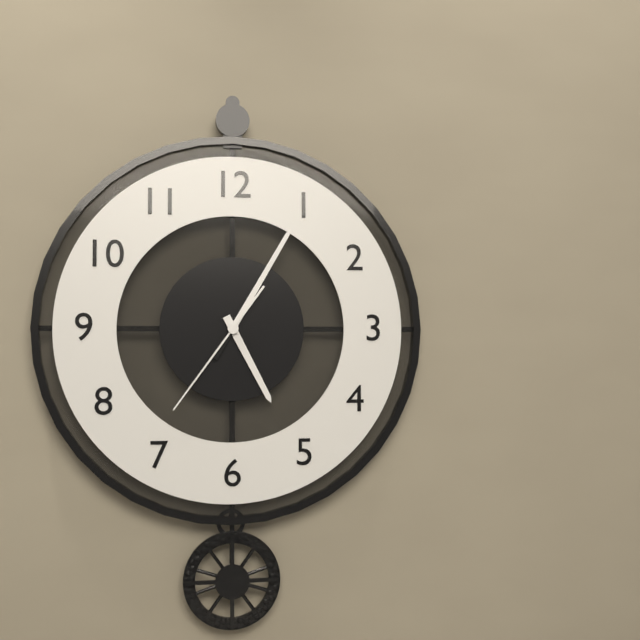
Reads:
h=5 m=5 s=36
